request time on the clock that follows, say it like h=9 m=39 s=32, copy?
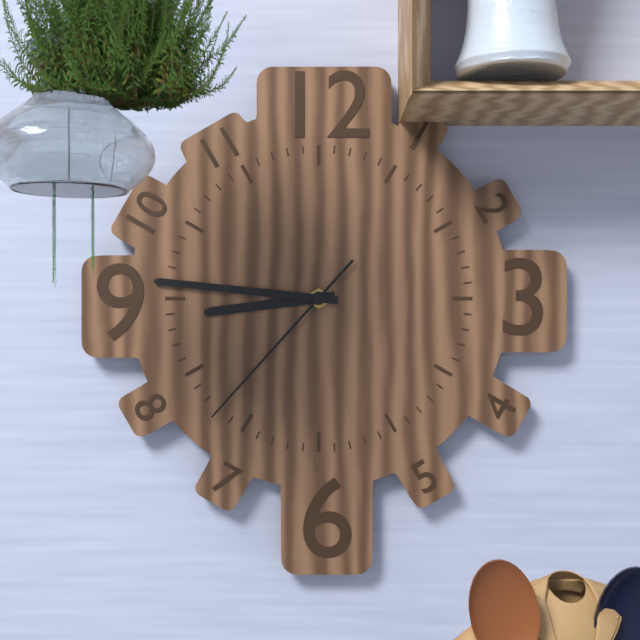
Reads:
h=8 m=46 s=37
